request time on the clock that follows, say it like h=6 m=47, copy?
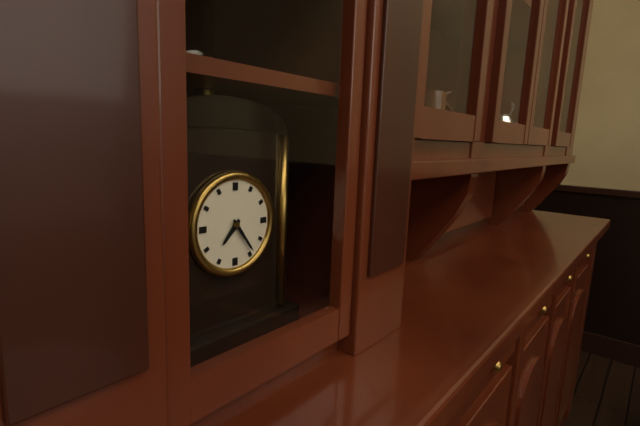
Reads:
h=7 m=24
